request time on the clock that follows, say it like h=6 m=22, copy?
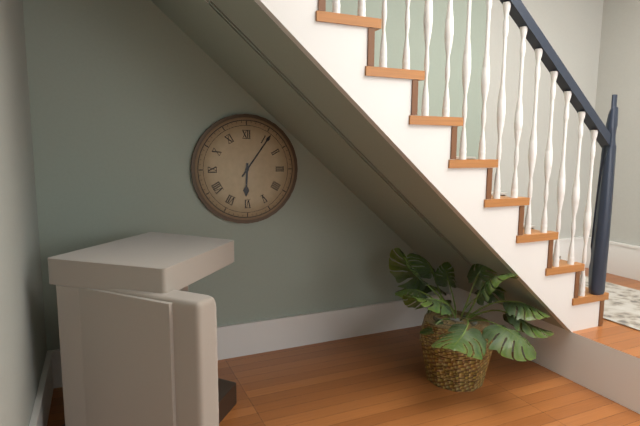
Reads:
h=6 m=6
